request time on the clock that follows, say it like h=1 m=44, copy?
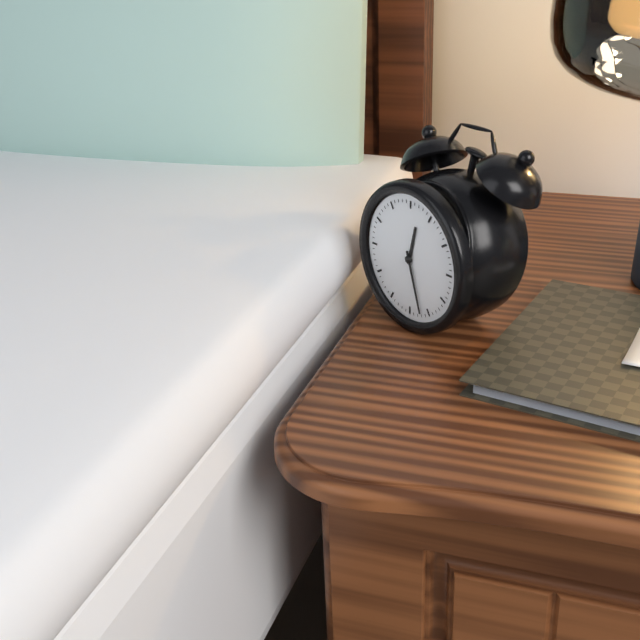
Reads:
h=12 m=27
